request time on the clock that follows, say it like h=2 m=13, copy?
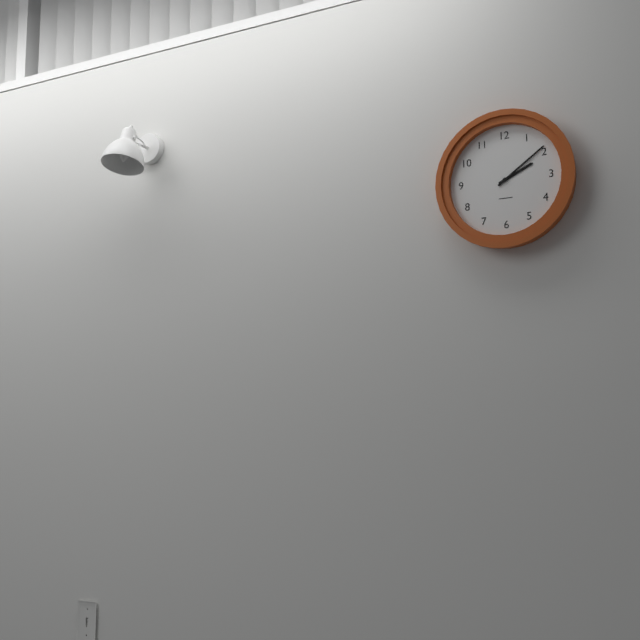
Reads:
h=2 m=9
